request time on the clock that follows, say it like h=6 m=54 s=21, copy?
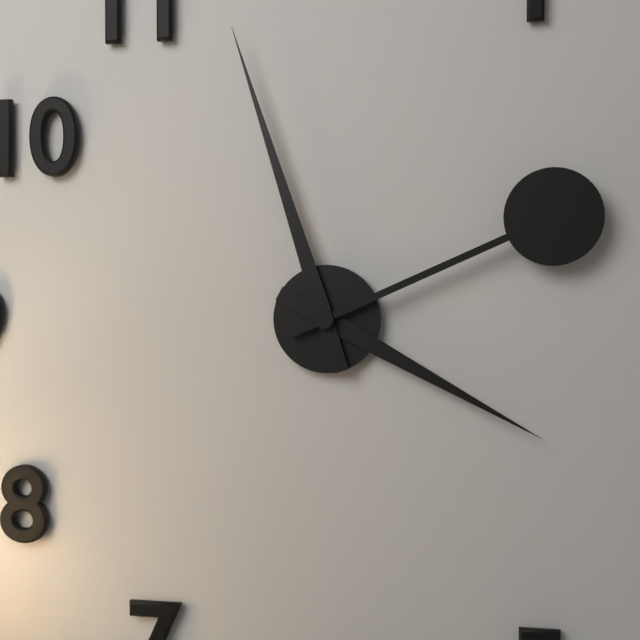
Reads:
h=3 m=57 s=11
